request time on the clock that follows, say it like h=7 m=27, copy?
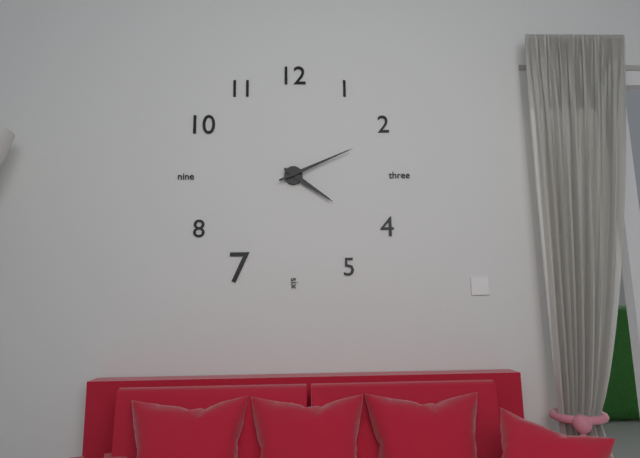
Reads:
h=4 m=11
